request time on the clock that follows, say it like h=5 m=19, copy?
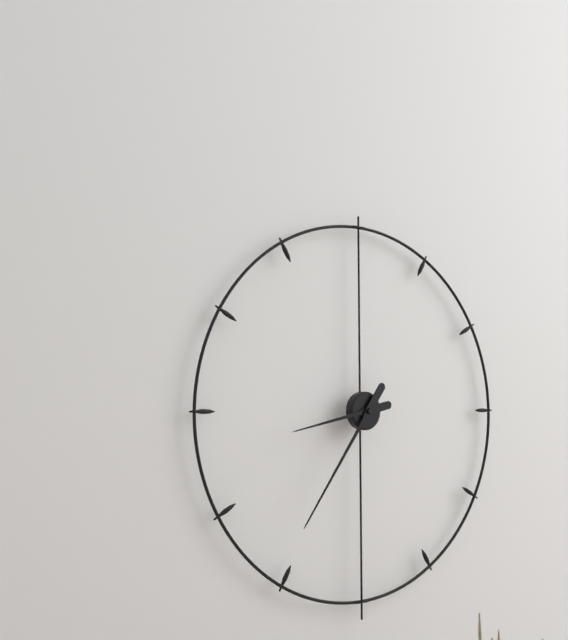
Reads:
h=8 m=36
